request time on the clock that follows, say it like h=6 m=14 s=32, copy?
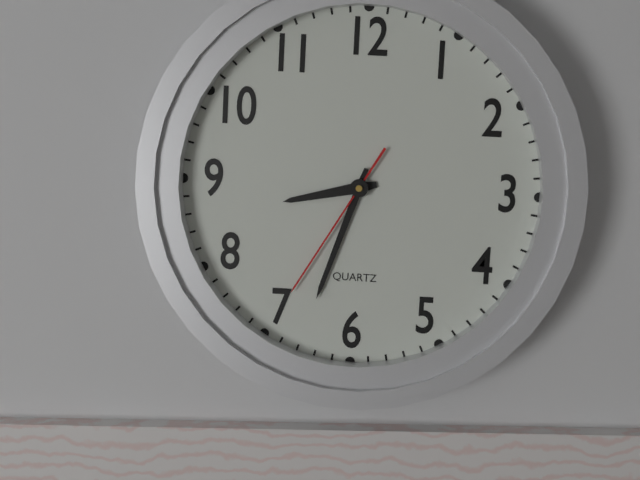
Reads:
h=8 m=33 s=35
